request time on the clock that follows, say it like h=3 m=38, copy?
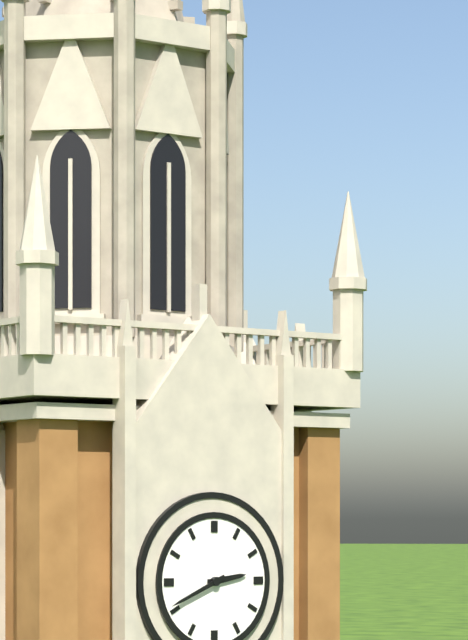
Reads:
h=2 m=41
